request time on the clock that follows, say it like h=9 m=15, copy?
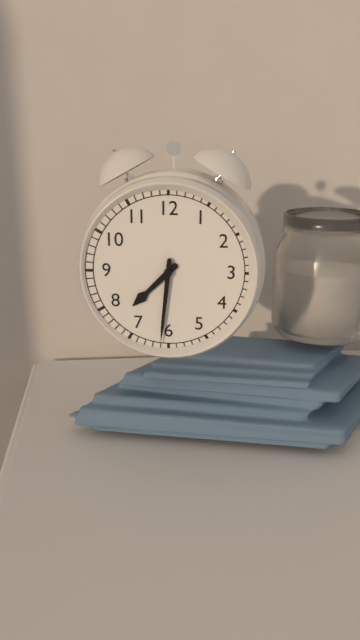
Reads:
h=7 m=31
